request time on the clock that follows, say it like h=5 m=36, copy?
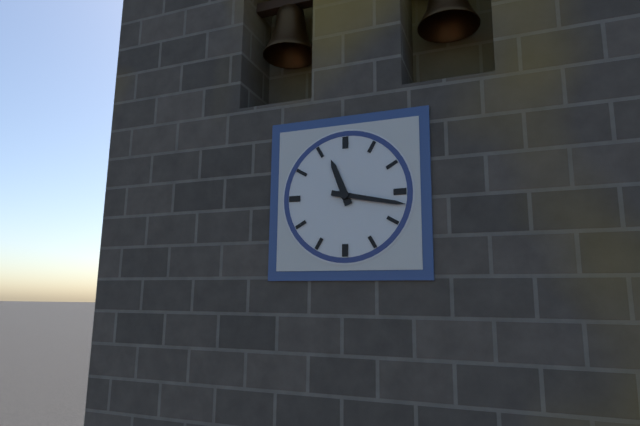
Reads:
h=11 m=17
